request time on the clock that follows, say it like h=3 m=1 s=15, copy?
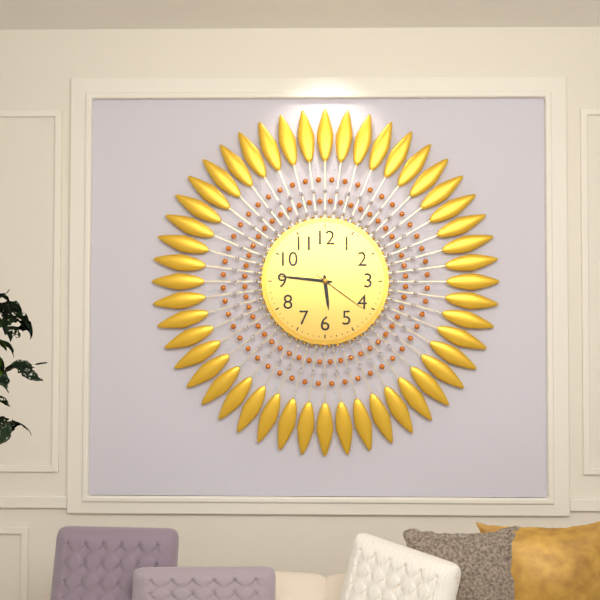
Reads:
h=5 m=46 s=21
